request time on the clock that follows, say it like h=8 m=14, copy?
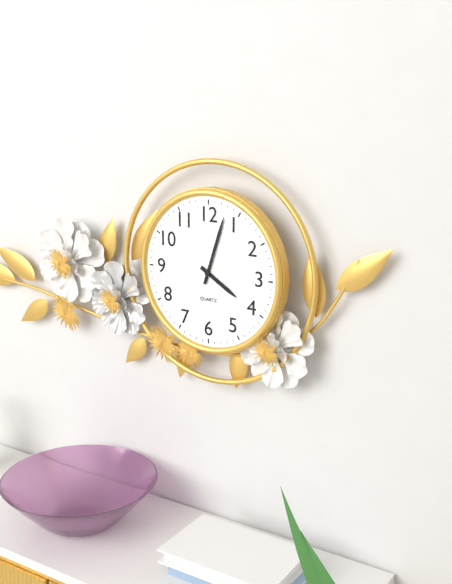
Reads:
h=4 m=3
